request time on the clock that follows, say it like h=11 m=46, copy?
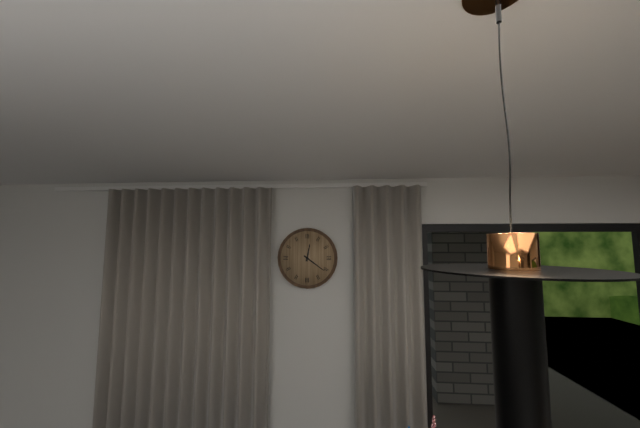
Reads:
h=12 m=21
